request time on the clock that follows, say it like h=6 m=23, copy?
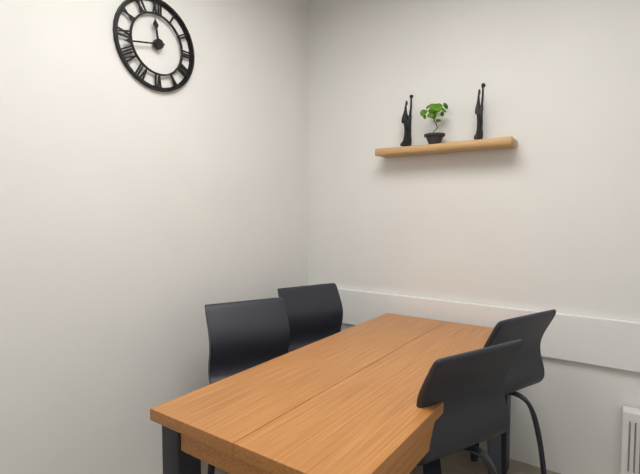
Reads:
h=11 m=43
